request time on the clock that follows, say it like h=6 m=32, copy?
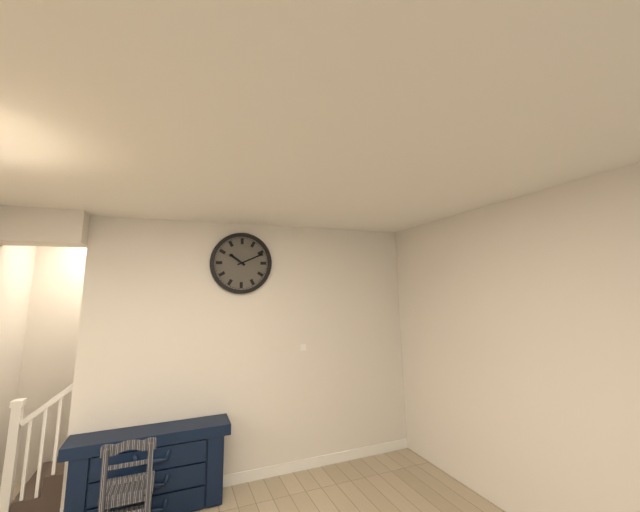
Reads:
h=10 m=11
